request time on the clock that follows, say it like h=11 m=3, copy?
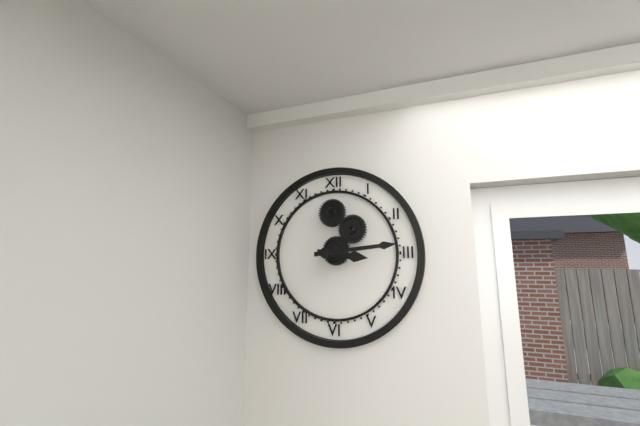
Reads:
h=3 m=14
